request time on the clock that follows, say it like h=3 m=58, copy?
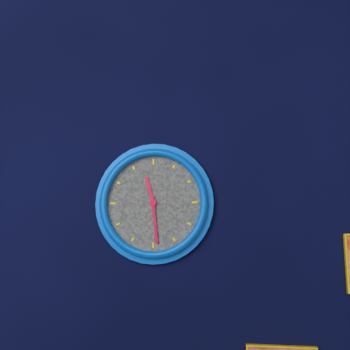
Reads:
h=11 m=29
